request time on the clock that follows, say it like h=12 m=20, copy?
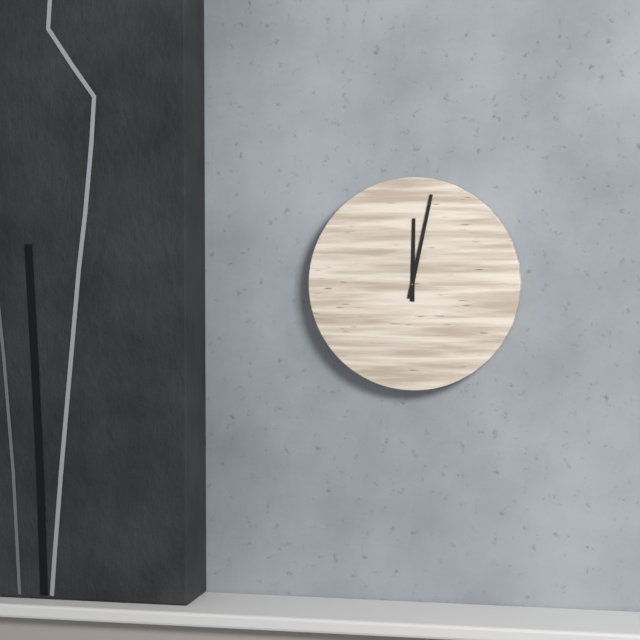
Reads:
h=12 m=2
